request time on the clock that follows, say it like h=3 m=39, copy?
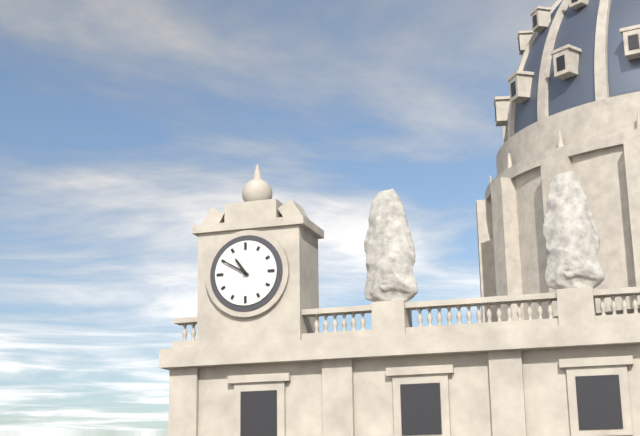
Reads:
h=10 m=50
